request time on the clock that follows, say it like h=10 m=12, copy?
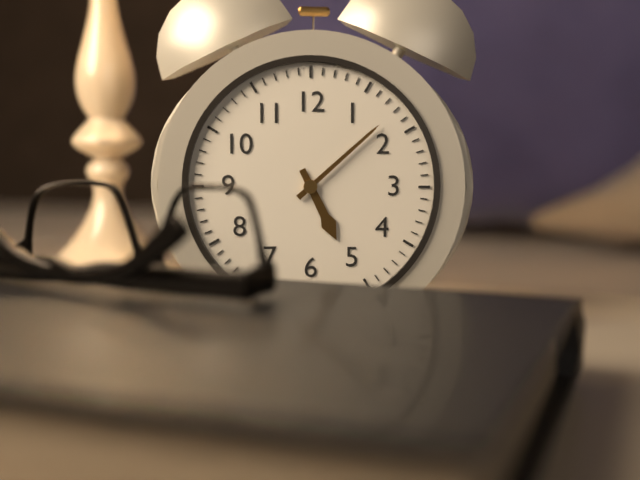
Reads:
h=5 m=8
